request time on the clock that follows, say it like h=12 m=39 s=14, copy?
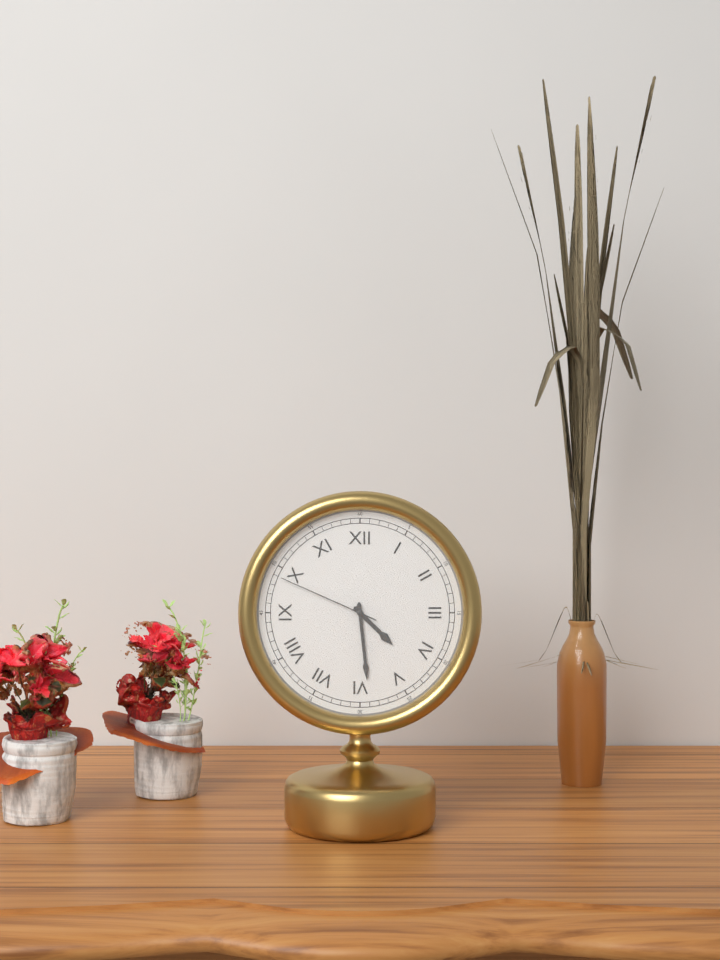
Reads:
h=4 m=29 s=49
